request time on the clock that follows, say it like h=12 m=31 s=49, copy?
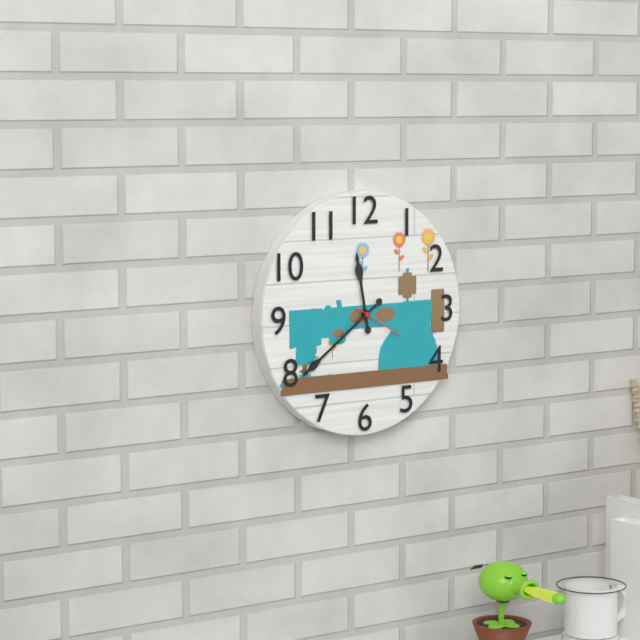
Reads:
h=11 m=39 s=20
